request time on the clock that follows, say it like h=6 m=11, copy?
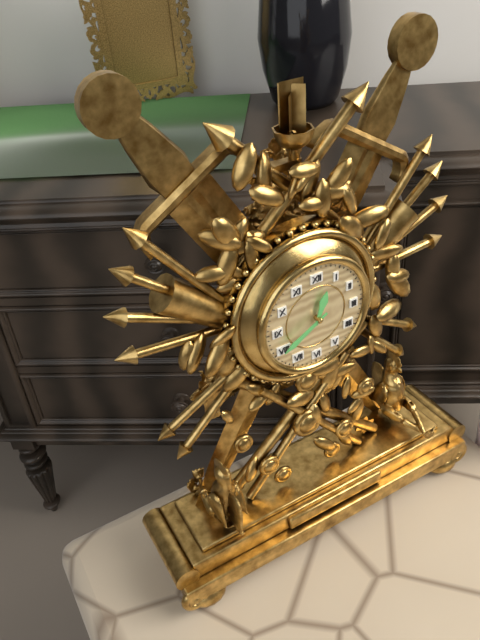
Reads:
h=12 m=40
